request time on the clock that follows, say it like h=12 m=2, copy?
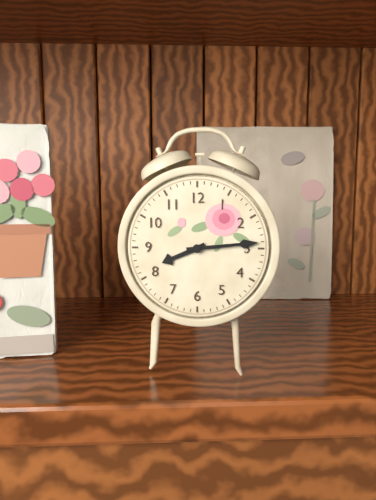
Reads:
h=8 m=14
